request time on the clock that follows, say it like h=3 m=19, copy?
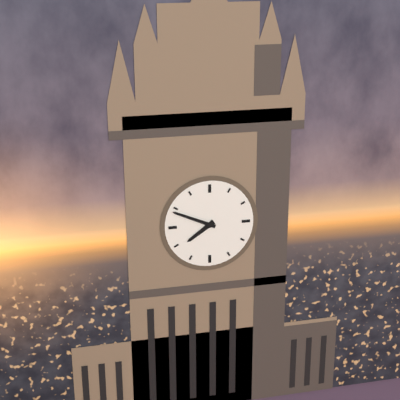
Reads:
h=7 m=49
